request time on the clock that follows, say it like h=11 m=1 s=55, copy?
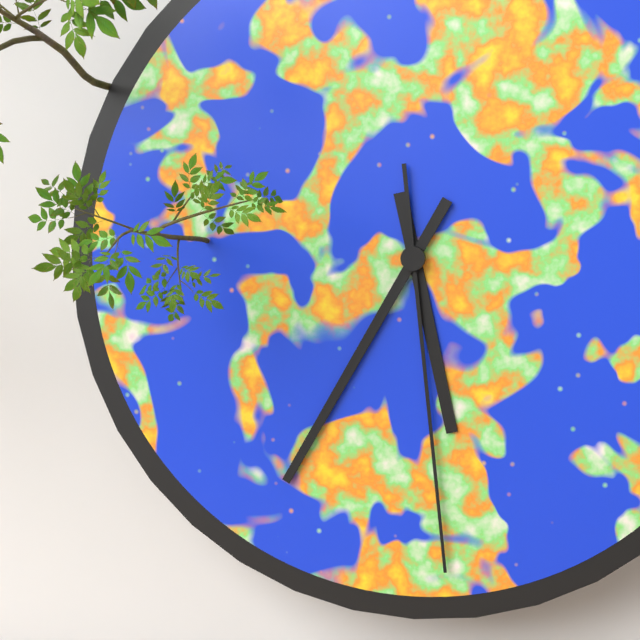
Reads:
h=5 m=35 s=29
